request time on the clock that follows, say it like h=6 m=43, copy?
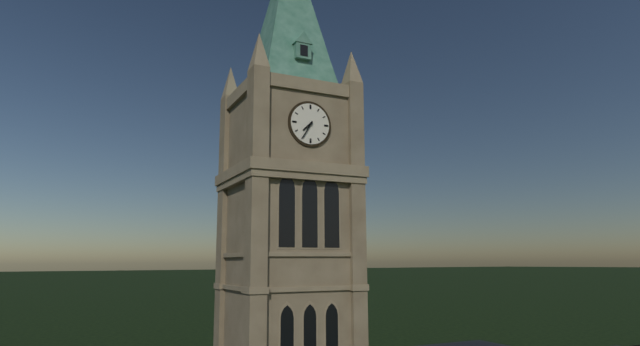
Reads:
h=7 m=35
